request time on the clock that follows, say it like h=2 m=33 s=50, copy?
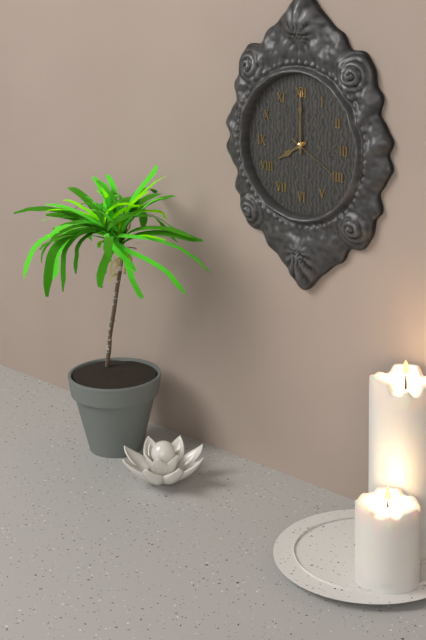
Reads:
h=8 m=0 s=20
